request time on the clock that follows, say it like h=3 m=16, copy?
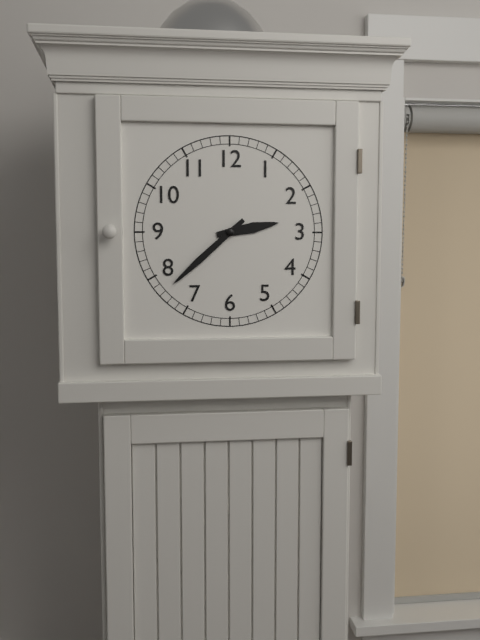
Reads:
h=2 m=38
